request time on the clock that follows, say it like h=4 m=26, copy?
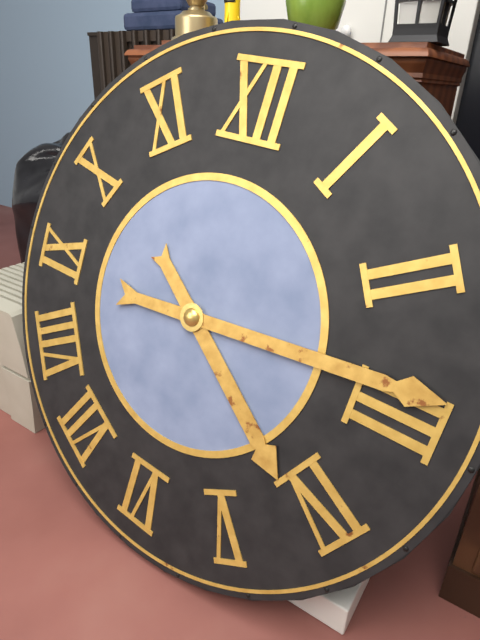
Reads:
h=4 m=14
